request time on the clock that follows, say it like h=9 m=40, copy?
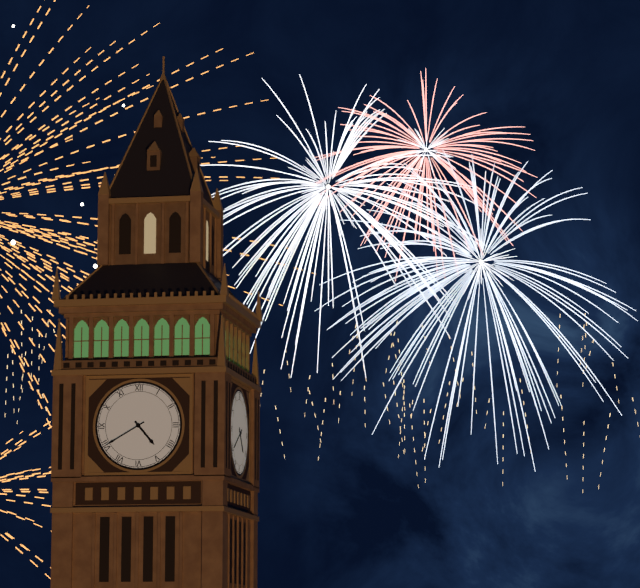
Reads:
h=4 m=40
